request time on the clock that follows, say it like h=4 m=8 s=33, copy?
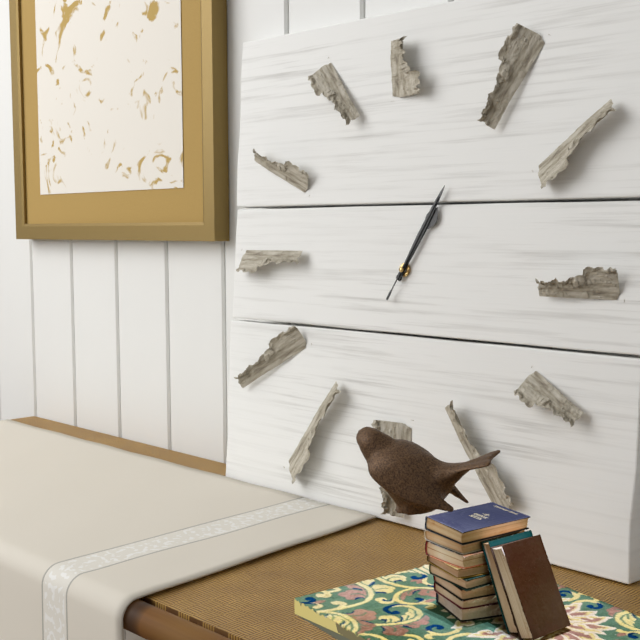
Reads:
h=1 m=5 s=5
